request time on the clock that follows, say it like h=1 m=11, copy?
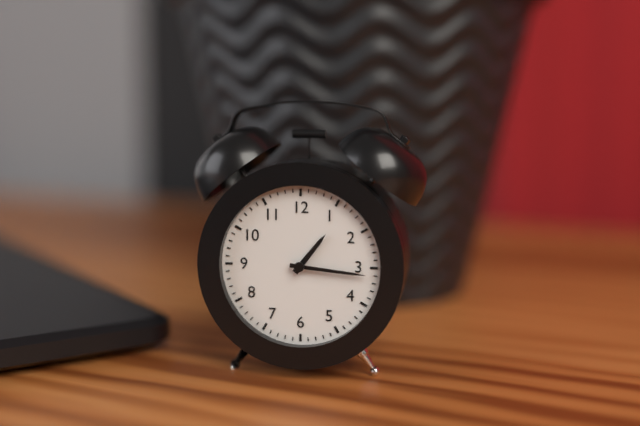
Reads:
h=1 m=16
